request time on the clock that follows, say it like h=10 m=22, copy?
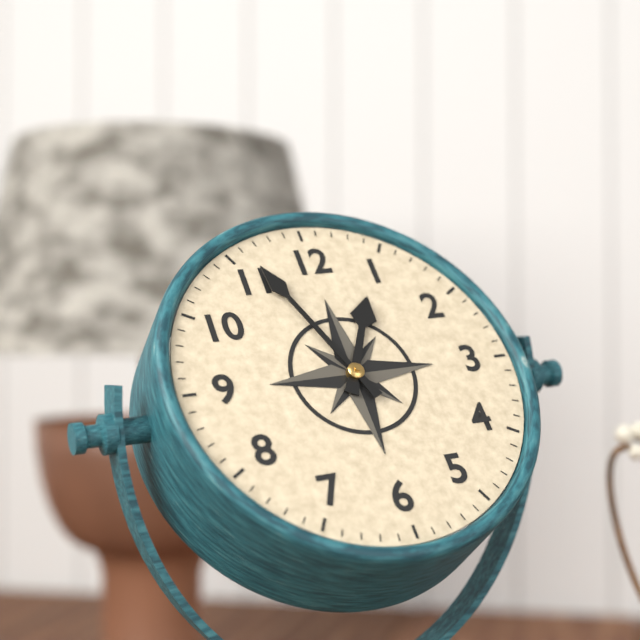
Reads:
h=12 m=56
